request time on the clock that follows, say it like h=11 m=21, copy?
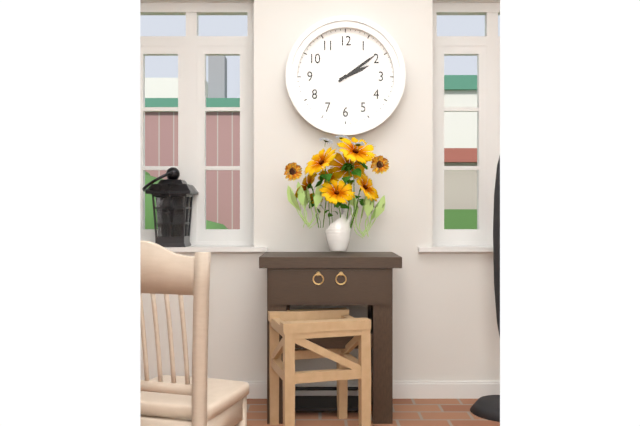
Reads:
h=2 m=9
